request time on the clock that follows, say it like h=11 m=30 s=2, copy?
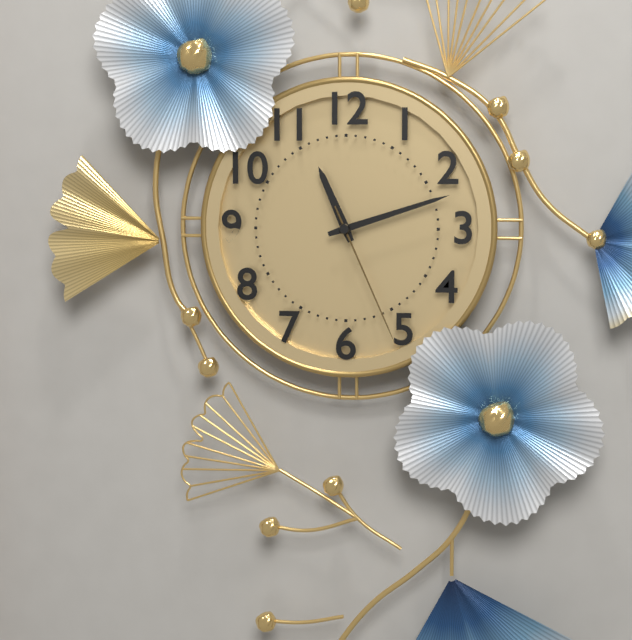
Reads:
h=11 m=12 s=26
